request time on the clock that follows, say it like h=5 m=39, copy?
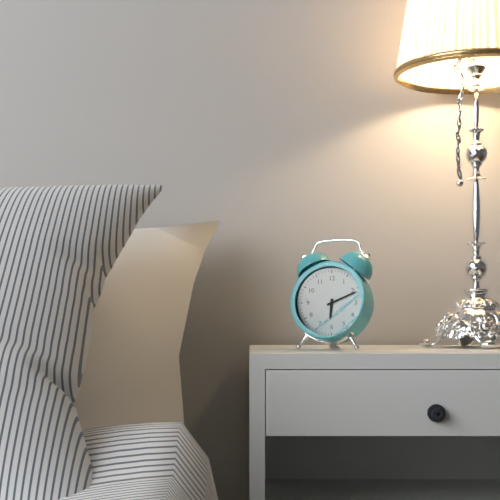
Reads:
h=6 m=11
